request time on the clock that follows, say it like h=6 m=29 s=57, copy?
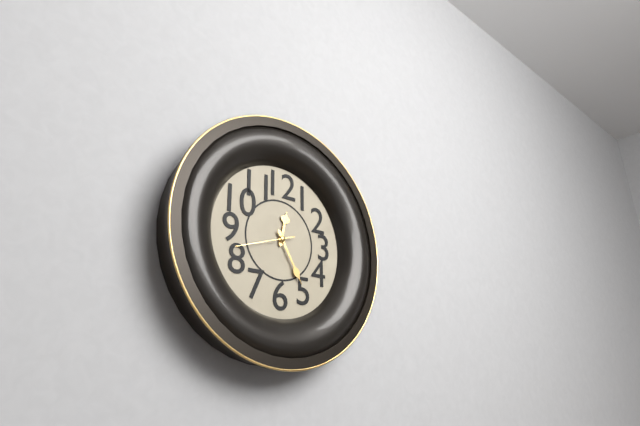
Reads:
h=12 m=25 s=42
